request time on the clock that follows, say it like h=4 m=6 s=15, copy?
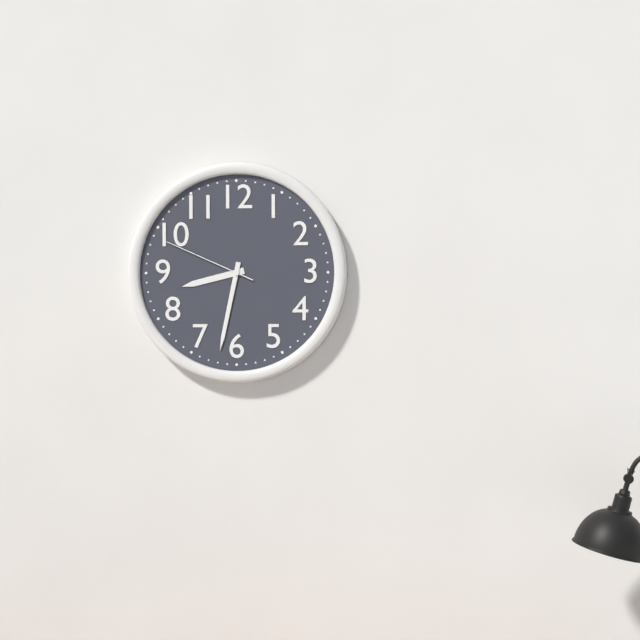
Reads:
h=8 m=32 s=49
